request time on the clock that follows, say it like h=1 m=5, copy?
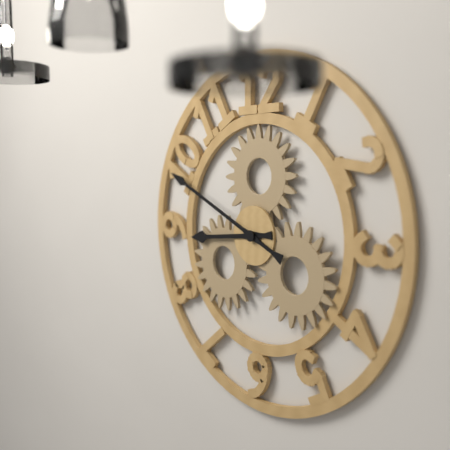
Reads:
h=8 m=49
